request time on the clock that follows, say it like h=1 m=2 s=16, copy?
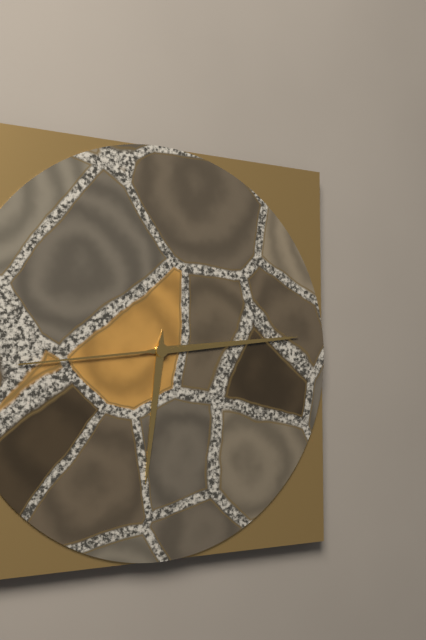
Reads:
h=6 m=14 s=44
